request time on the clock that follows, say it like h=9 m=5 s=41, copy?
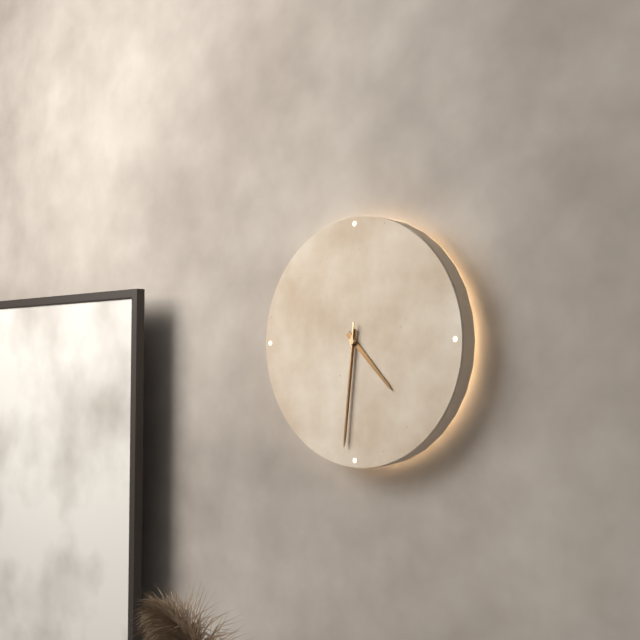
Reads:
h=4 m=31 s=31
